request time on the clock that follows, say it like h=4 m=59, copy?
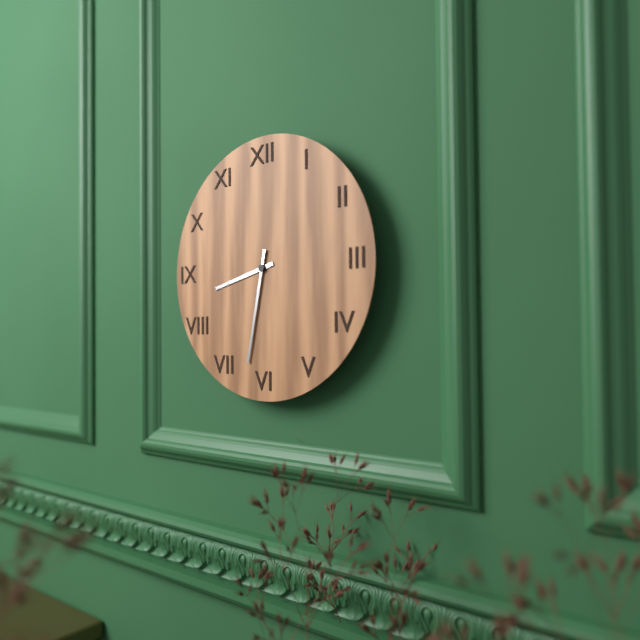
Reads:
h=8 m=32
